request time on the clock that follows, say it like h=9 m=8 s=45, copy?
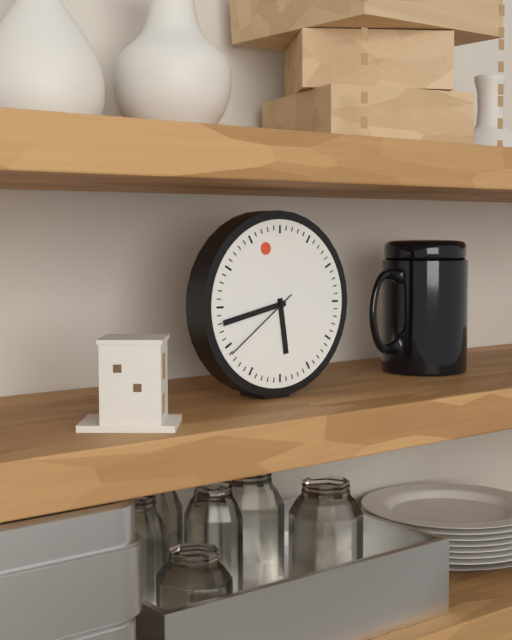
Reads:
h=5 m=43 s=39
